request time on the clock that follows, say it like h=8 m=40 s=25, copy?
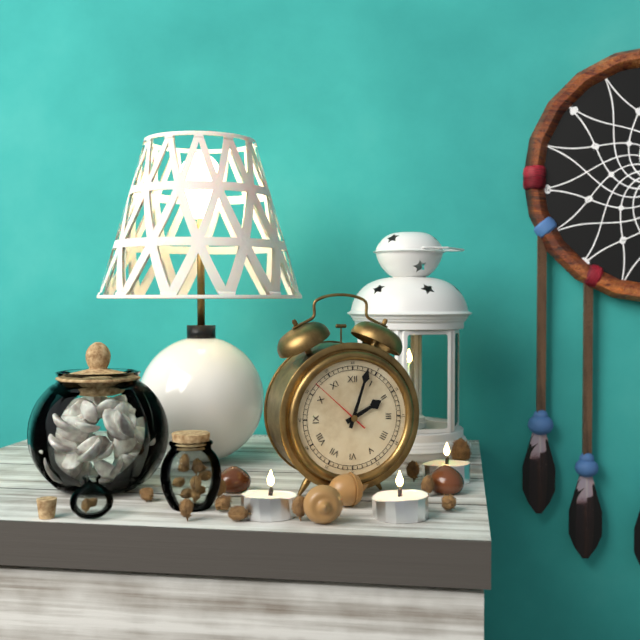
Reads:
h=2 m=3 s=52
